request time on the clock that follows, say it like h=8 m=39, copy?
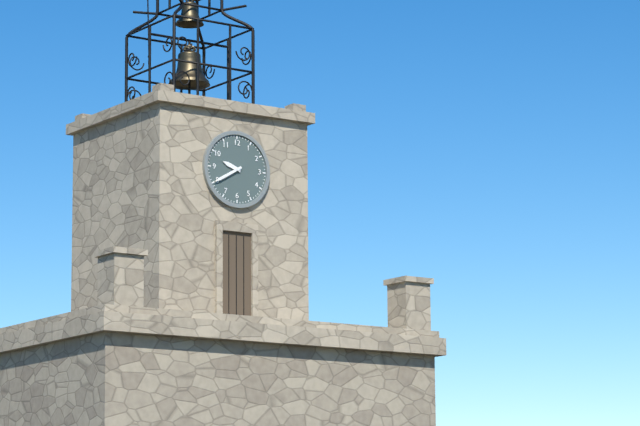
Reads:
h=9 m=40
